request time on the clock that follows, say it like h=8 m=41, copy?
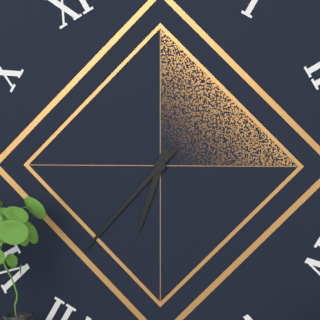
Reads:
h=6 m=37
